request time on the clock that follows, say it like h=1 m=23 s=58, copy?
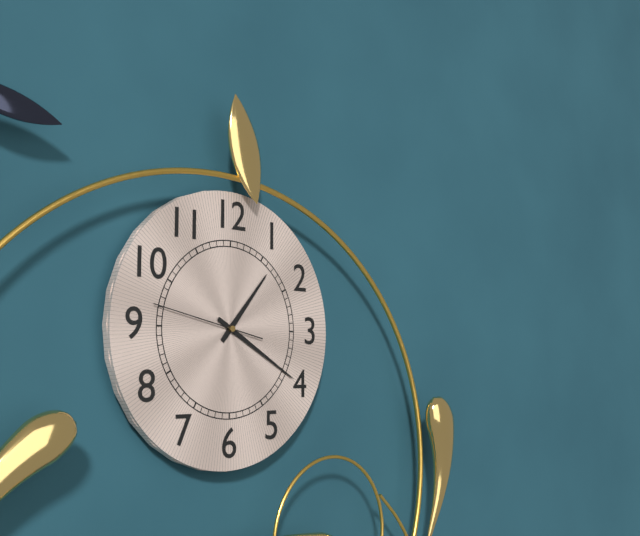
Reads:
h=1 m=20 s=47
